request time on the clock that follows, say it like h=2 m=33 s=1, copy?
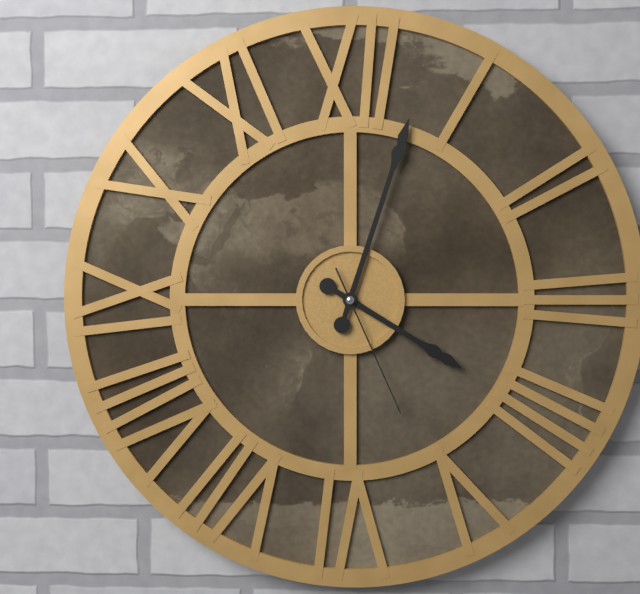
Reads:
h=4 m=3 s=26
